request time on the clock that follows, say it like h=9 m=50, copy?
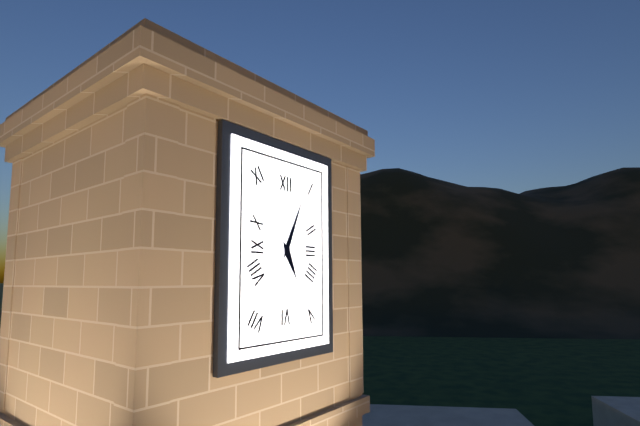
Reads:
h=5 m=4
